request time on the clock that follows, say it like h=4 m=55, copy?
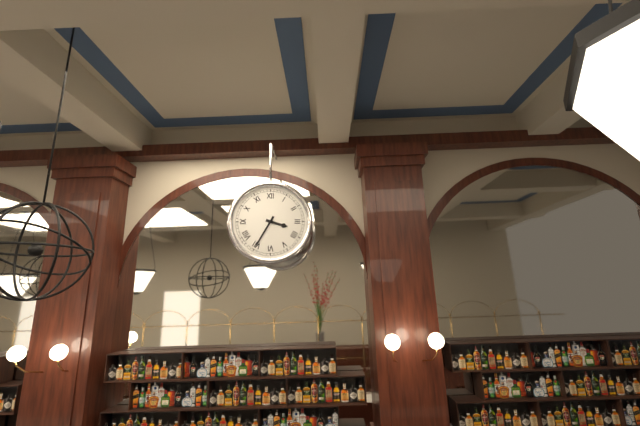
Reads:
h=3 m=35
